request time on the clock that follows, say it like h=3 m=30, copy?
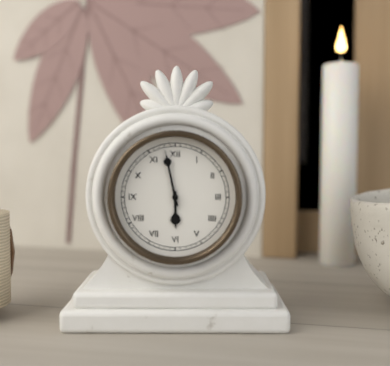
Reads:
h=5 m=58
